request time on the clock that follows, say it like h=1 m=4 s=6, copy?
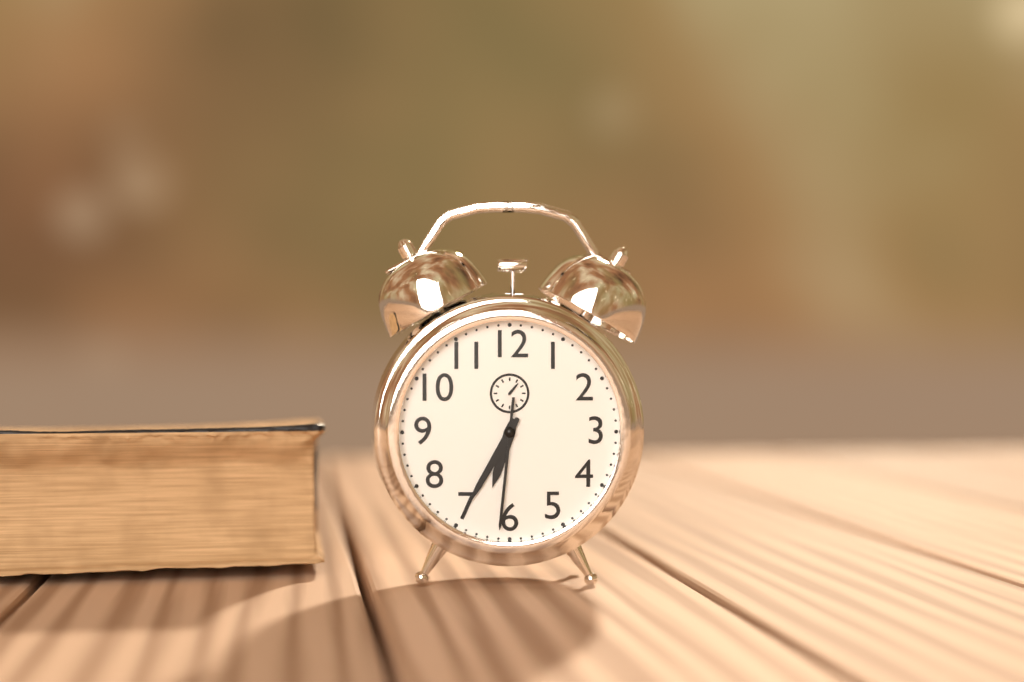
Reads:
h=6 m=35 s=31
